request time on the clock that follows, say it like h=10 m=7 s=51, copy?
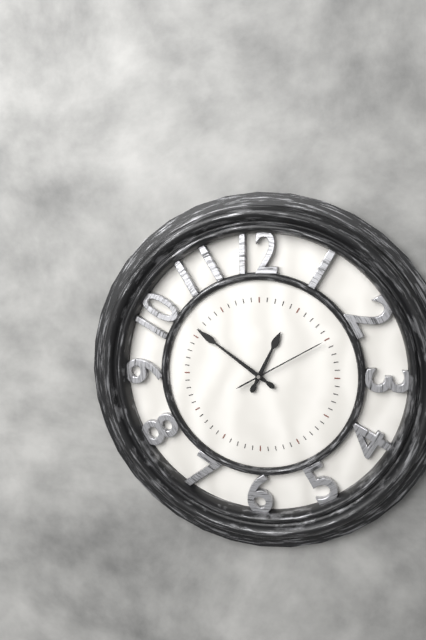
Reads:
h=12 m=51 s=10
